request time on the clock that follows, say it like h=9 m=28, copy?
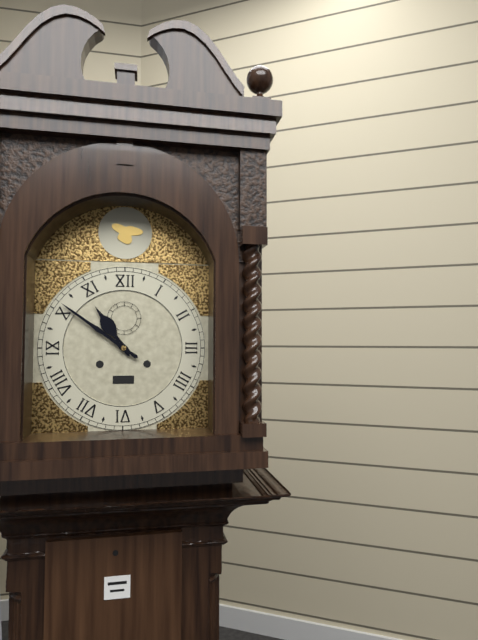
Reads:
h=10 m=51
